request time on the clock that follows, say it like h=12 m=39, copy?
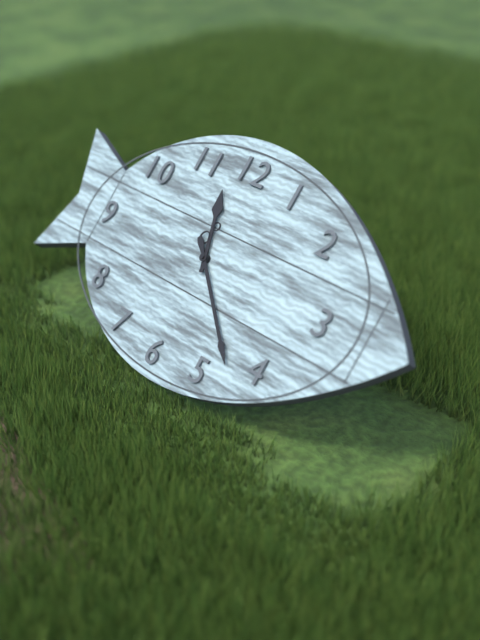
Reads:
h=11 m=22
